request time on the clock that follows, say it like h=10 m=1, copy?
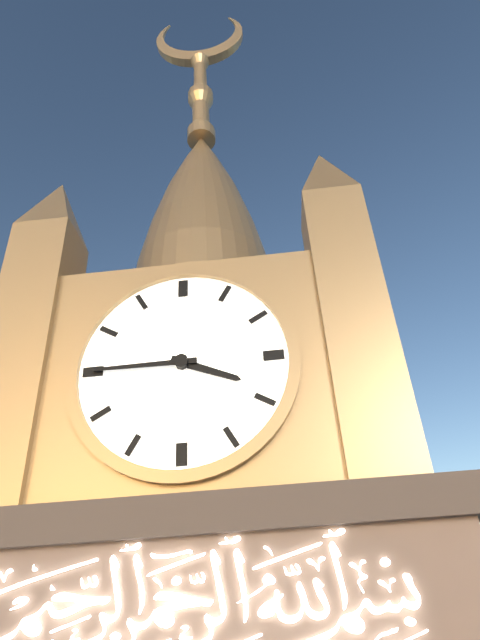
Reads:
h=3 m=45
